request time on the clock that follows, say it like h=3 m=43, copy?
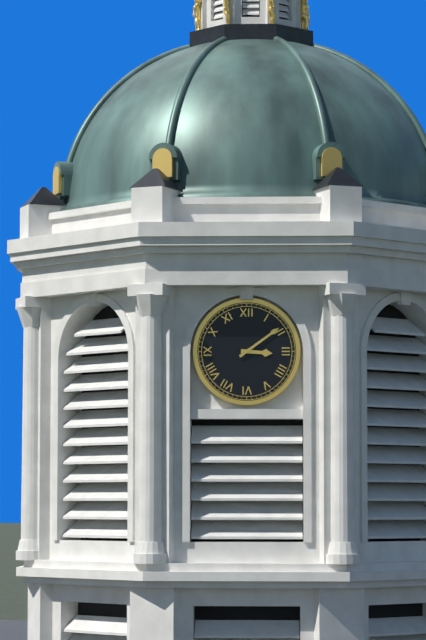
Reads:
h=3 m=9
